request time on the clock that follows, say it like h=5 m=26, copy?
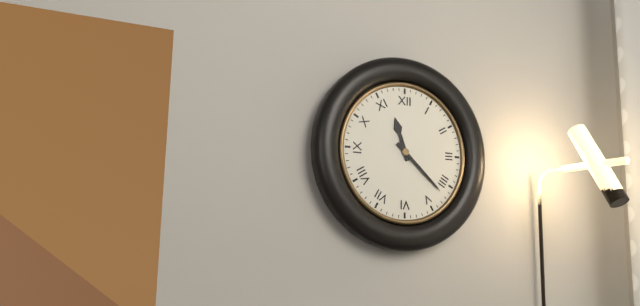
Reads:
h=11 m=22
